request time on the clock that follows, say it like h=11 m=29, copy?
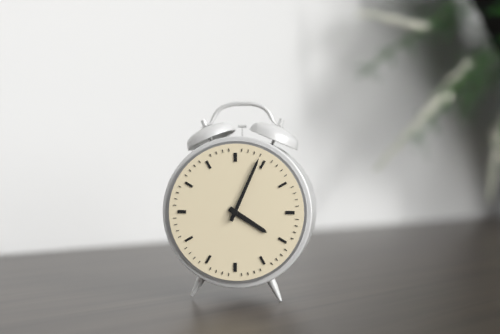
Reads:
h=4 m=4
